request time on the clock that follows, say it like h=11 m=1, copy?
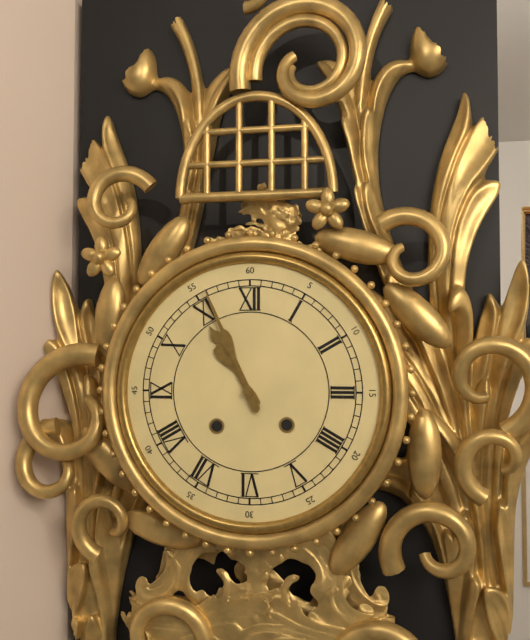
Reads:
h=10 m=56
